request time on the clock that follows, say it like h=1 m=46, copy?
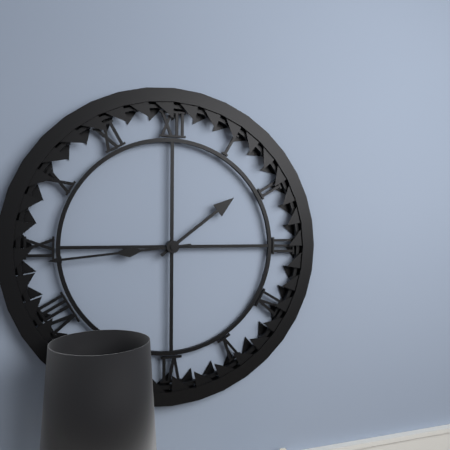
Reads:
h=1 m=44
